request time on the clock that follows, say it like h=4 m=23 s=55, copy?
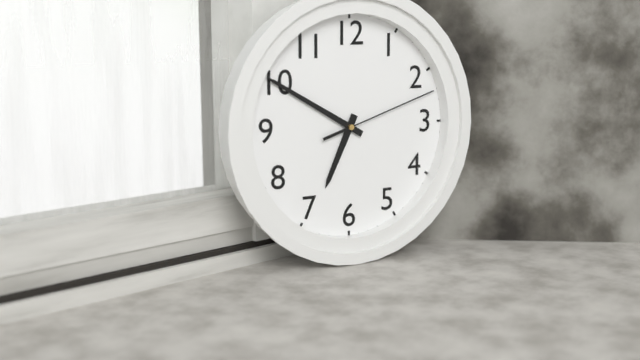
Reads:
h=6 m=50 s=12
